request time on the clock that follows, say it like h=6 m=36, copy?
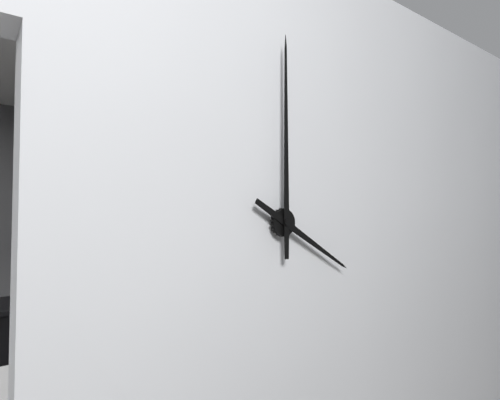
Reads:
h=4 m=0
